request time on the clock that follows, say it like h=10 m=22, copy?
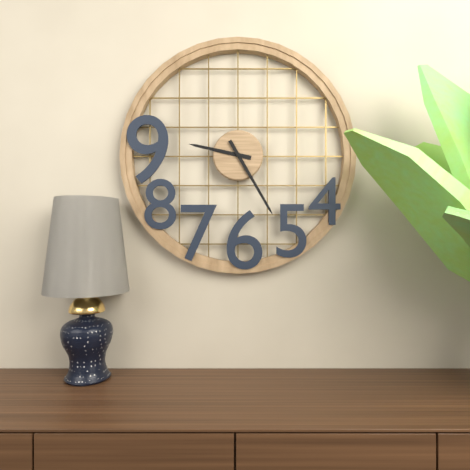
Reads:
h=9 m=25
